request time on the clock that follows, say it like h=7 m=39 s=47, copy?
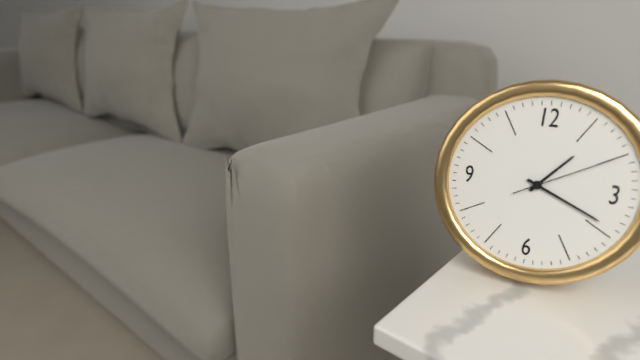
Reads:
h=1 m=19 s=10
